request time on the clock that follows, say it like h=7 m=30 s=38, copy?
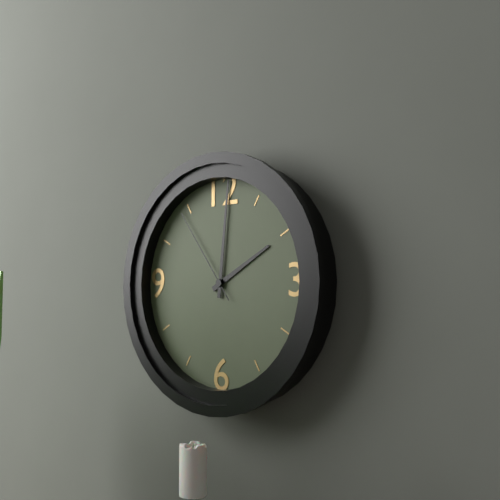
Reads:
h=2 m=1 s=54
